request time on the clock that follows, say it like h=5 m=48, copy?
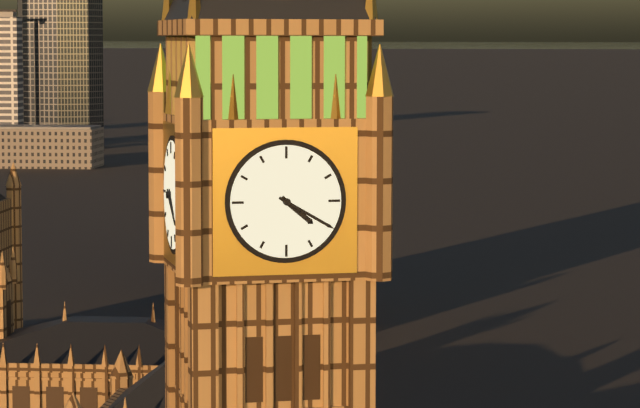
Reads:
h=4 m=20
